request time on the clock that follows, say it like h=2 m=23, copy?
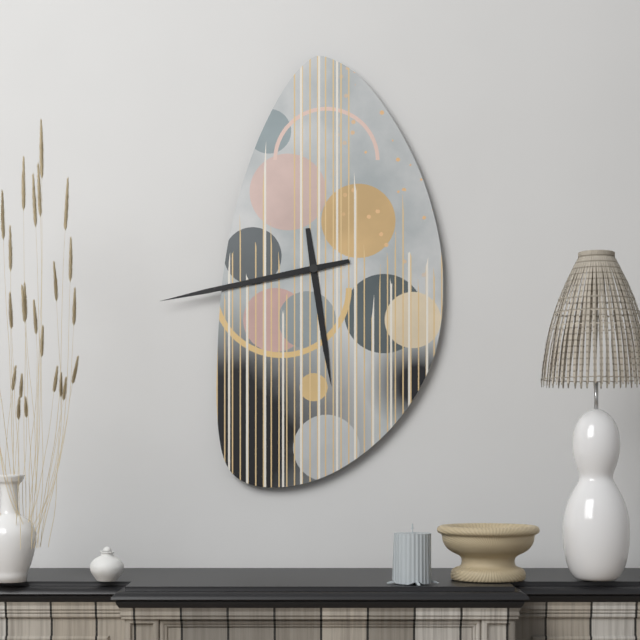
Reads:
h=5 m=43
